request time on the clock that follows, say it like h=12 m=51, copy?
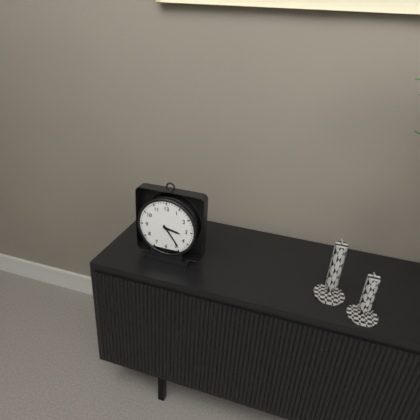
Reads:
h=3 m=24
